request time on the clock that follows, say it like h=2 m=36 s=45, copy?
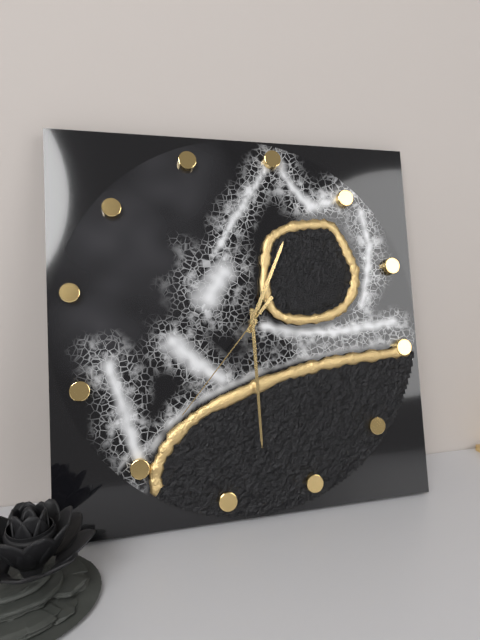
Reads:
h=12 m=28 s=35
